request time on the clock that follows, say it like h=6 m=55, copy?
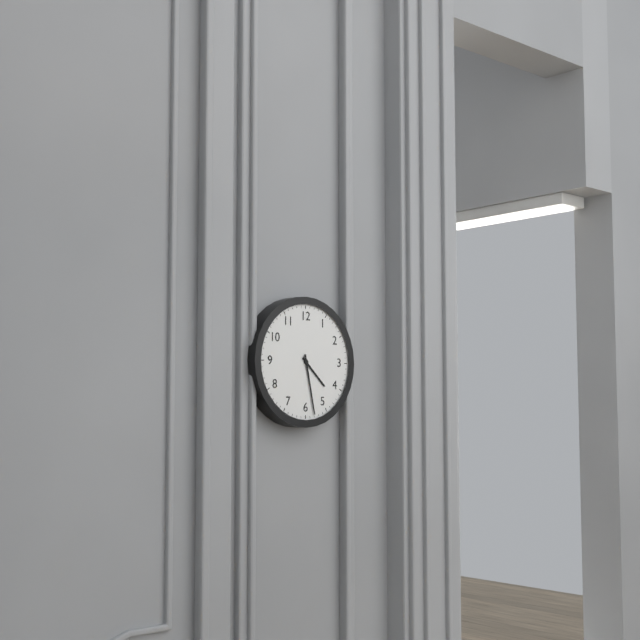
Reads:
h=4 m=28
